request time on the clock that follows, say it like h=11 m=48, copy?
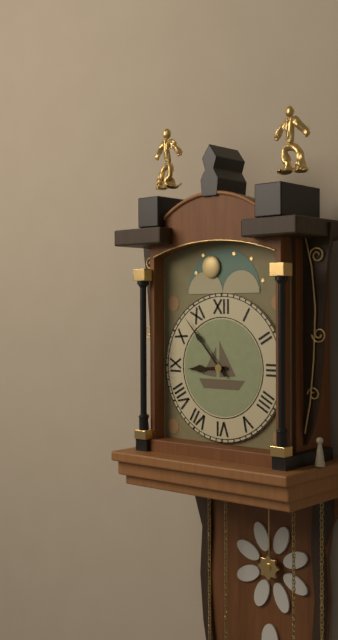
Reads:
h=8 m=53
